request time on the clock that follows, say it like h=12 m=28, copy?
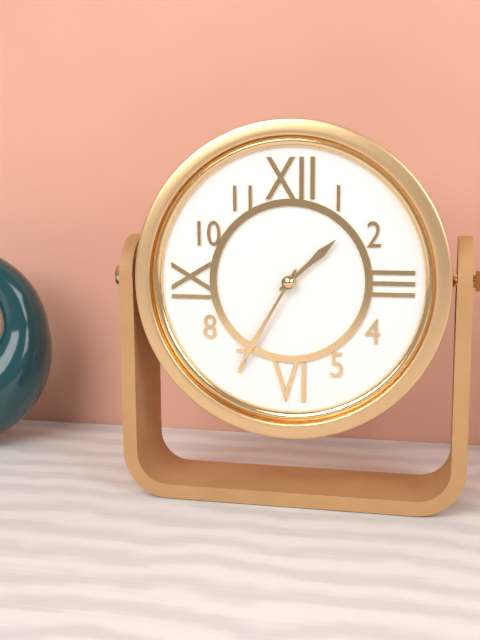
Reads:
h=1 m=35
